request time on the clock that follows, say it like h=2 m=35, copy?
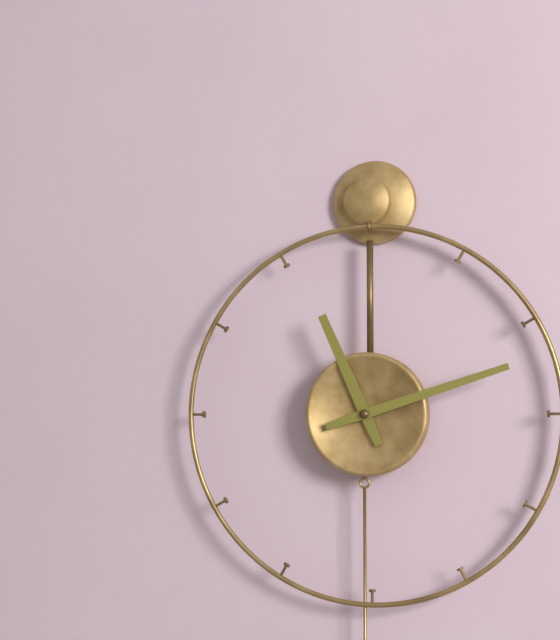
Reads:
h=11 m=12
